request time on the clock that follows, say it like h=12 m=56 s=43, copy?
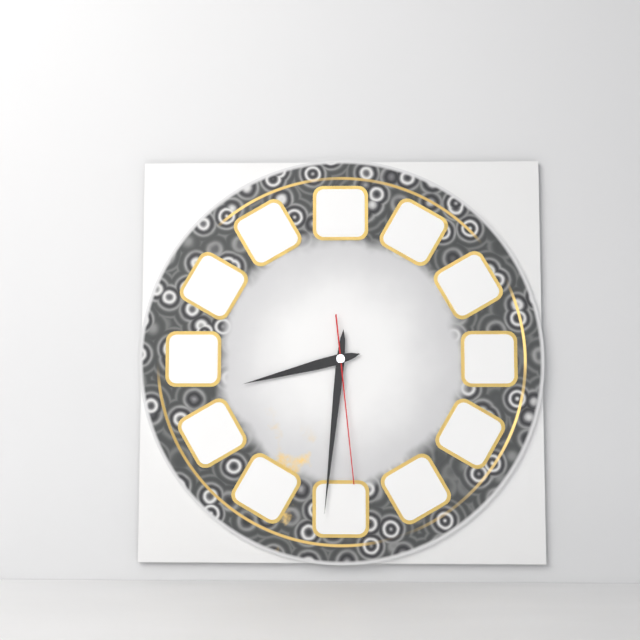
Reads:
h=8 m=31 s=29
